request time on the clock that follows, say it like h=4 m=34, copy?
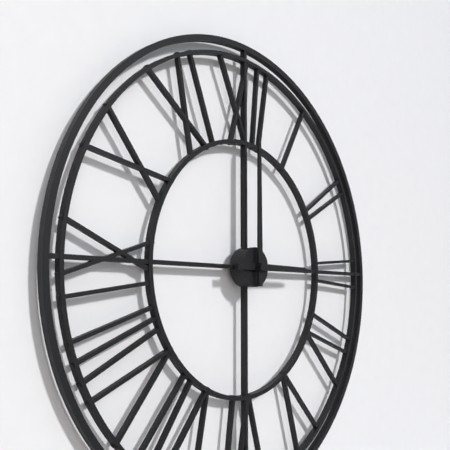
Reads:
h=3 m=0
